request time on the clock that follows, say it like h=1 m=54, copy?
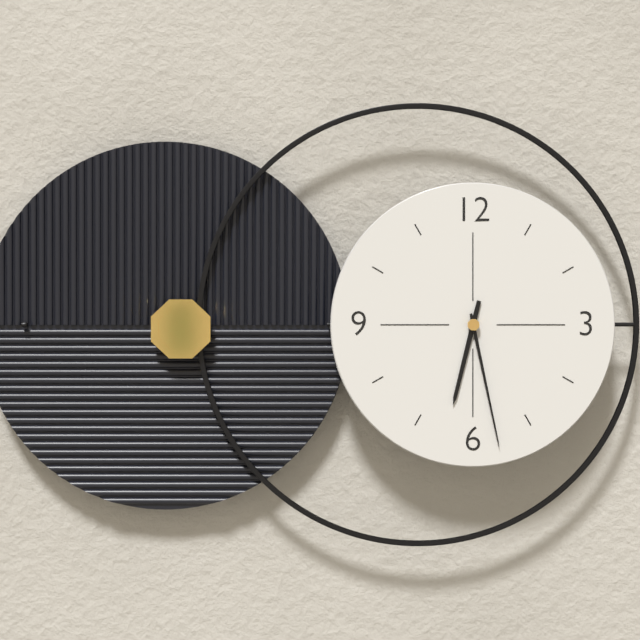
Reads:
h=6 m=28
